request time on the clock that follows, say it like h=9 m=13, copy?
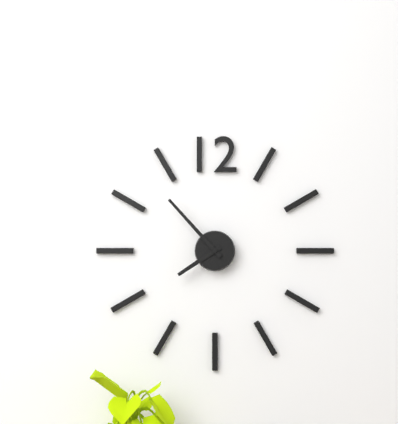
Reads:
h=7 m=53
